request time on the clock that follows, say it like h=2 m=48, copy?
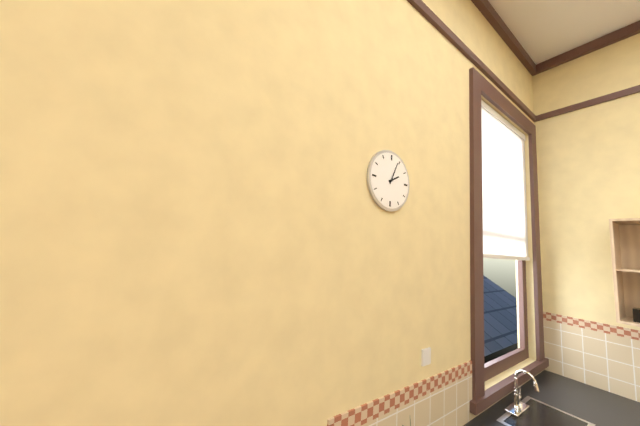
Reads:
h=2 m=4
